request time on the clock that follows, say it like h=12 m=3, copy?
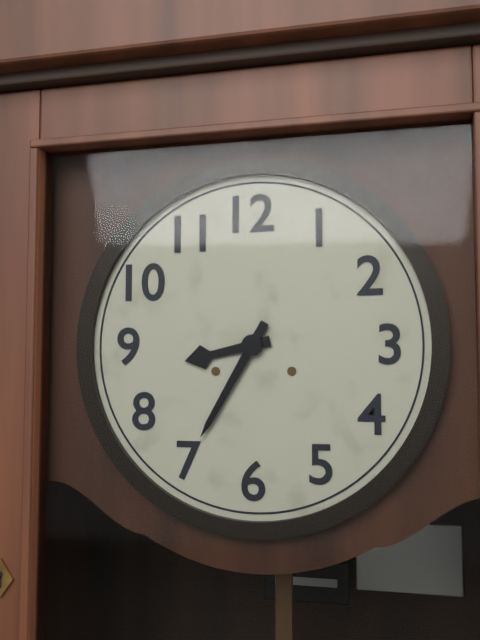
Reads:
h=8 m=35
